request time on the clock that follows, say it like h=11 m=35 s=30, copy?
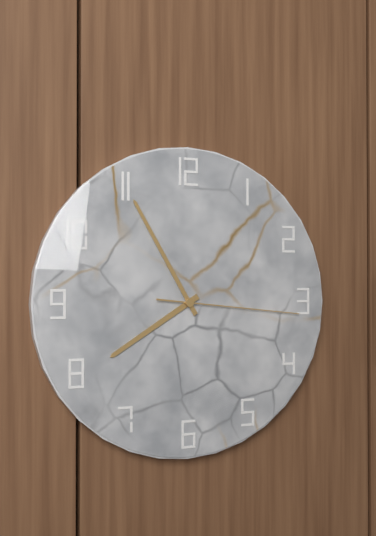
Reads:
h=7 m=55 s=16
